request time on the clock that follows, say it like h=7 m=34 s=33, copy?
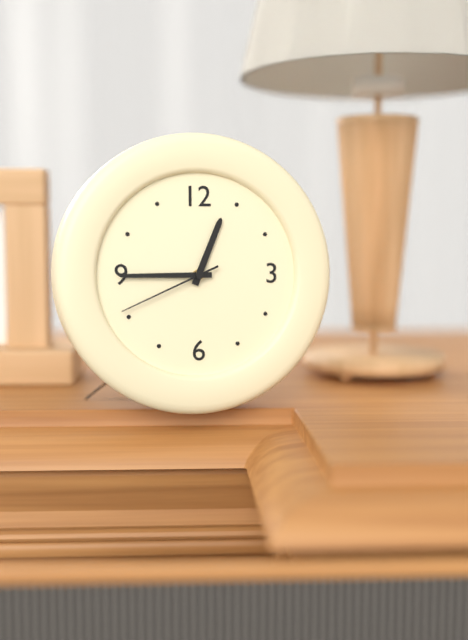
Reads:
h=12 m=45 s=41
